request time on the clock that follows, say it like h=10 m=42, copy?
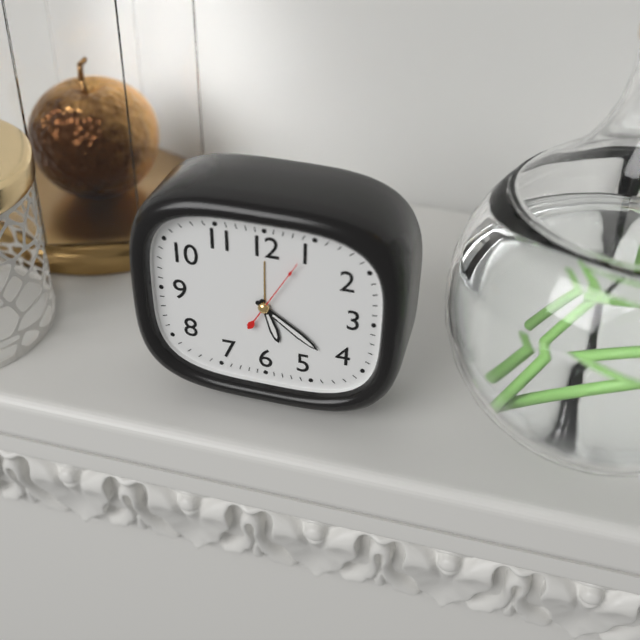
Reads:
h=5 m=21
